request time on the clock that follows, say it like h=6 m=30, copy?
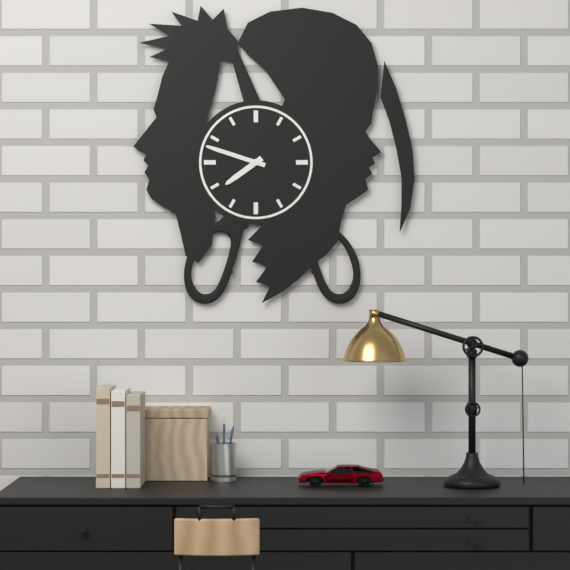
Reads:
h=7 m=48
